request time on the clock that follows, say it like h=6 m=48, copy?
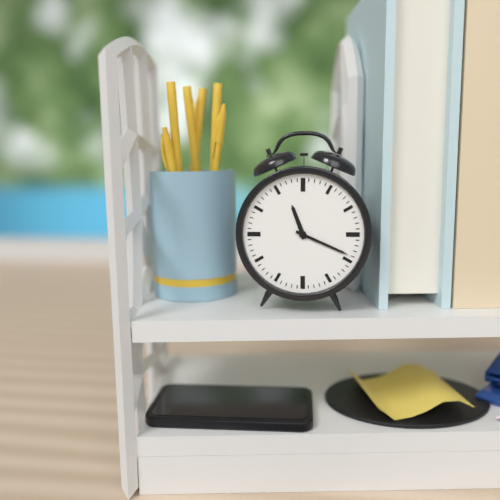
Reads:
h=11 m=19
